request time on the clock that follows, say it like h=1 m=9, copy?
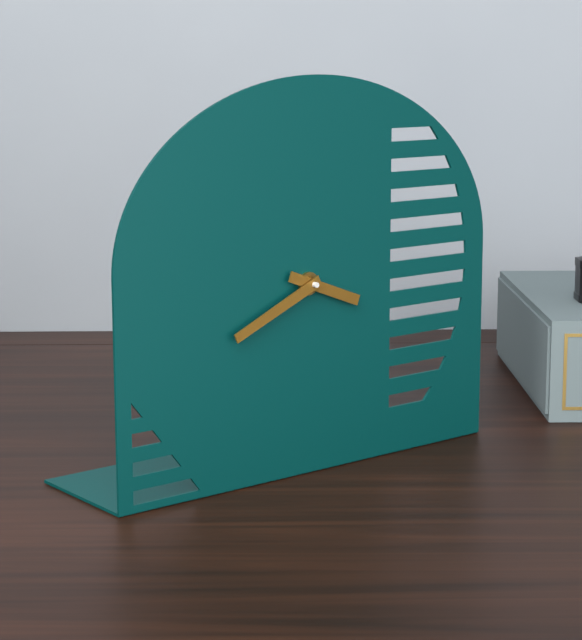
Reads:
h=3 m=41
